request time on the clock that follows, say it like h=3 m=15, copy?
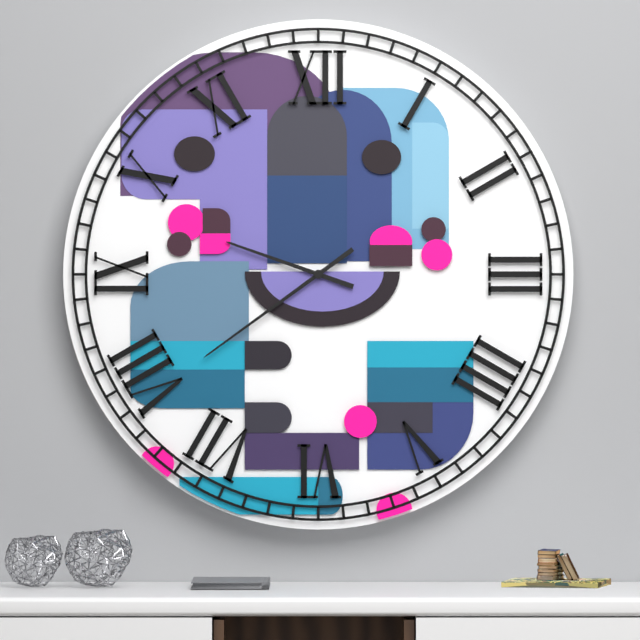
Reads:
h=9 m=39
